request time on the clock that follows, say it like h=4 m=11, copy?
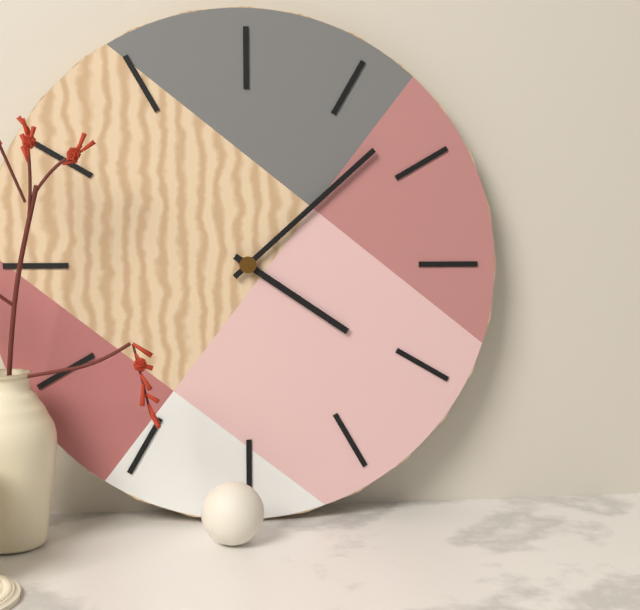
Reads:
h=4 m=8
